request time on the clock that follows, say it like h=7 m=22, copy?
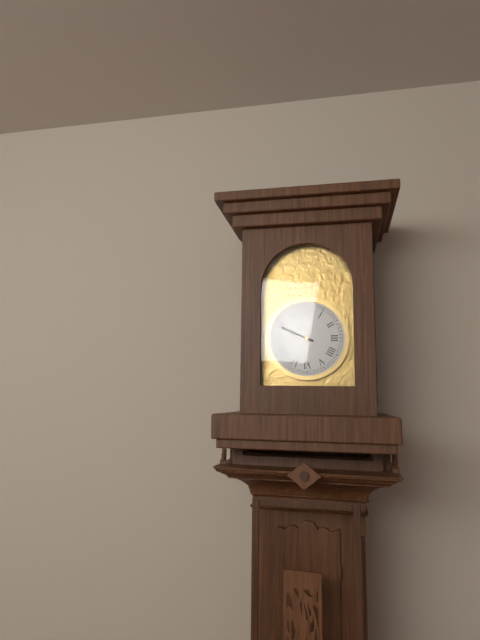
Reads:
h=9 m=49
